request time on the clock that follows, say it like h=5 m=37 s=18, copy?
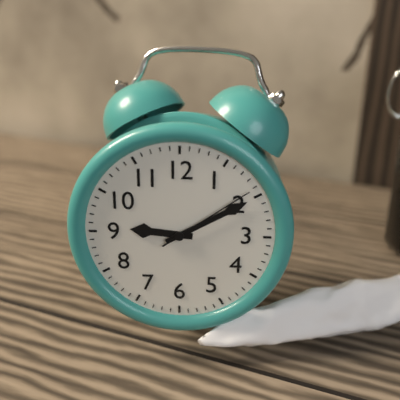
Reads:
h=9 m=10 s=9
